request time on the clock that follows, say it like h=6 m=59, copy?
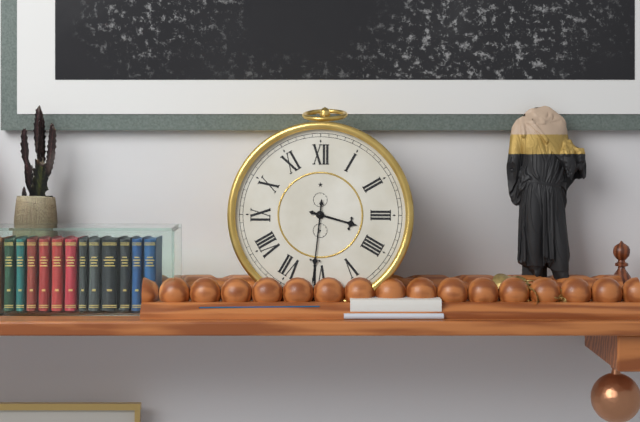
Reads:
h=3 m=31
